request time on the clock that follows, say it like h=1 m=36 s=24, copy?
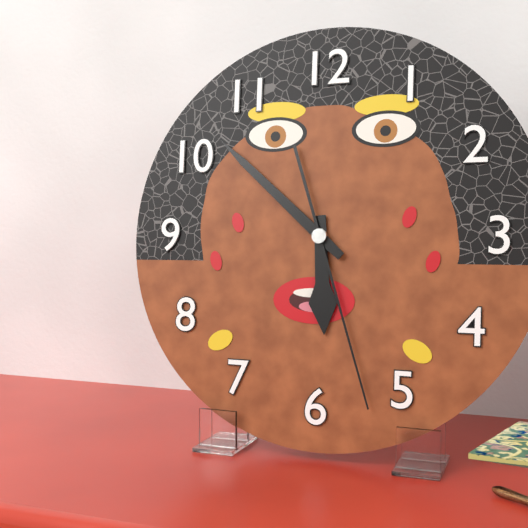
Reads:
h=5 m=52 s=27
